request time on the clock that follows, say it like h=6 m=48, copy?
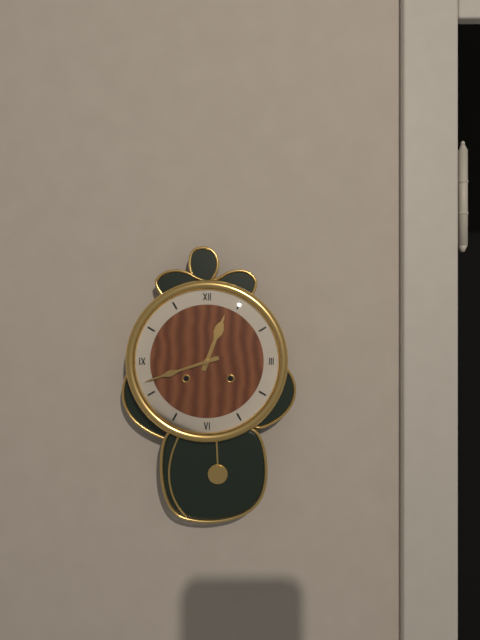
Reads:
h=12 m=42
